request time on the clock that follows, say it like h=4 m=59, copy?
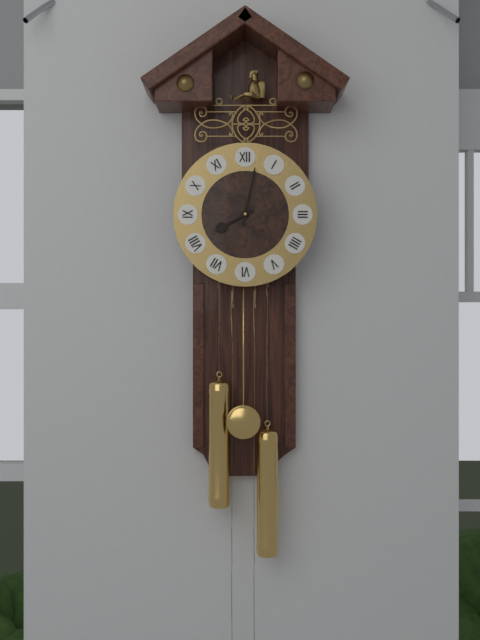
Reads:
h=8 m=2
